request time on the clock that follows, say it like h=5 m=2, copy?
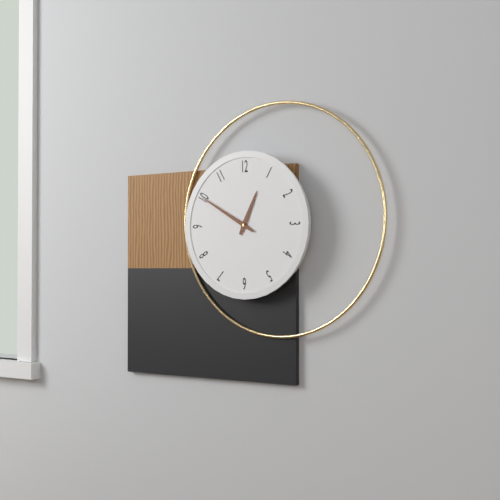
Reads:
h=12 m=50
